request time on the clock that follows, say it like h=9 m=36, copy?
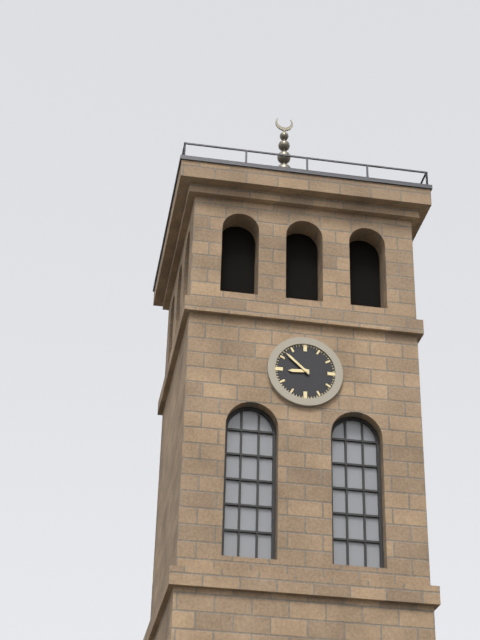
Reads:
h=8 m=52
